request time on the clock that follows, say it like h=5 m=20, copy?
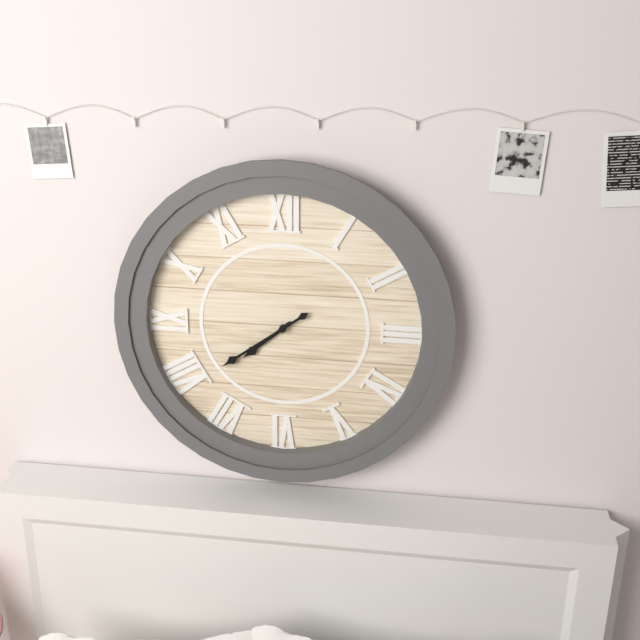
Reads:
h=7 m=39
